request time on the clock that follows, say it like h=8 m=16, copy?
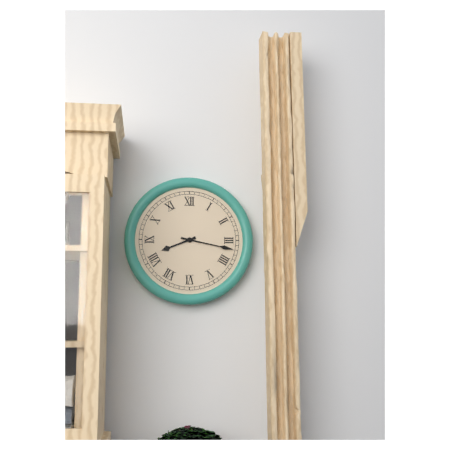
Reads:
h=8 m=17
